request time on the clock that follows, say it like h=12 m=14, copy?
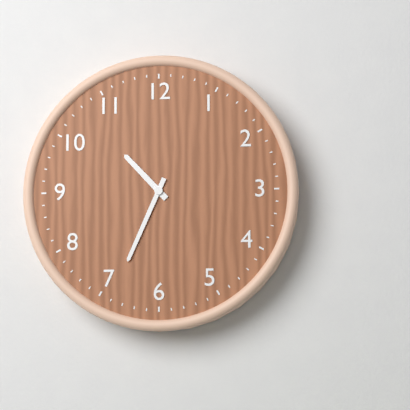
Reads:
h=10 m=34
